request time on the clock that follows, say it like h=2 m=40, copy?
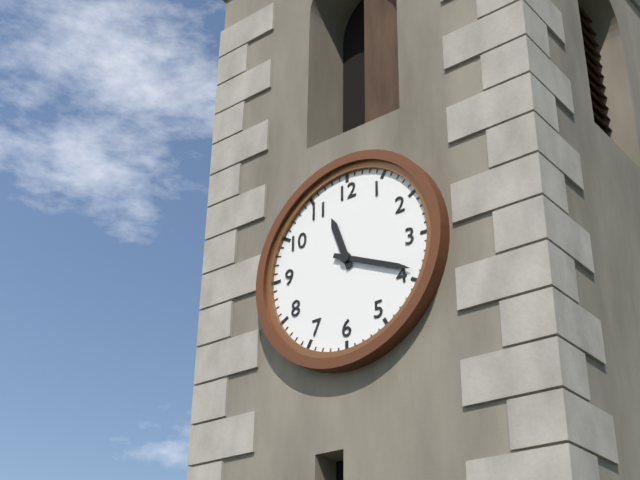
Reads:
h=11 m=19
